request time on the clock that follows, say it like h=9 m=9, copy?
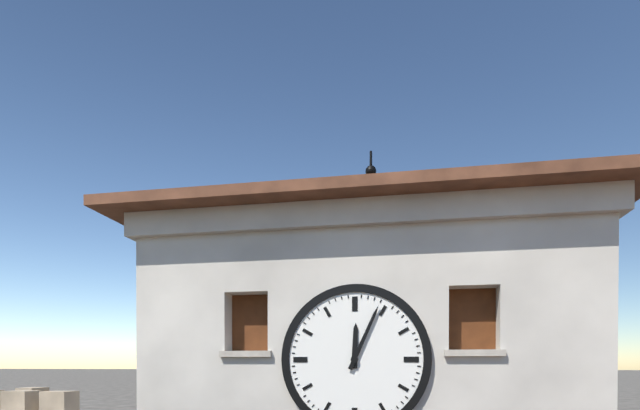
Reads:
h=12 m=4
